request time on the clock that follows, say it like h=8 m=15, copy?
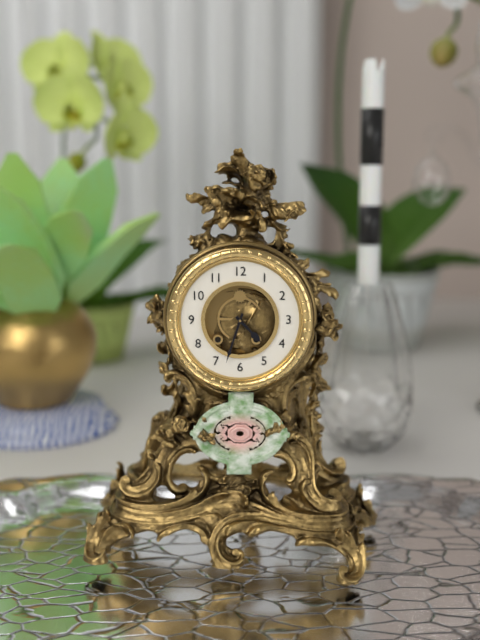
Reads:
h=4 m=33
